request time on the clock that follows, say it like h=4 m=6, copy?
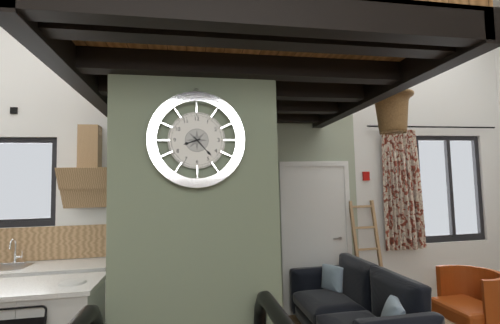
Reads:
h=8 m=23
